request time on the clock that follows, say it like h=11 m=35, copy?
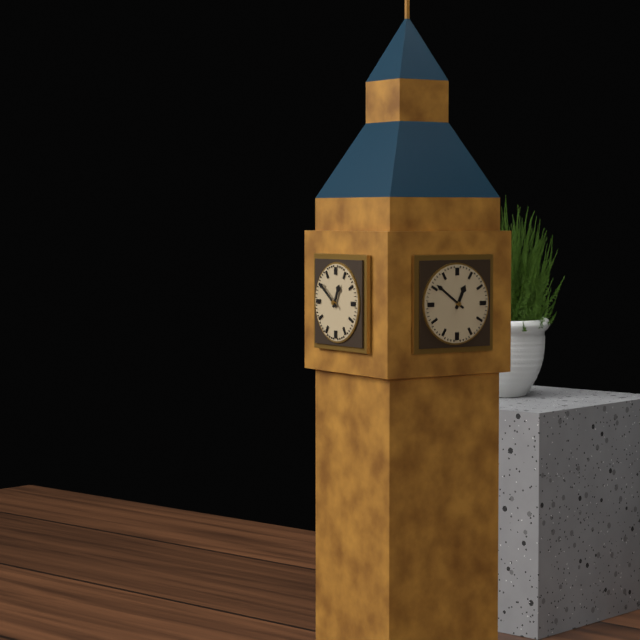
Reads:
h=12 m=51
